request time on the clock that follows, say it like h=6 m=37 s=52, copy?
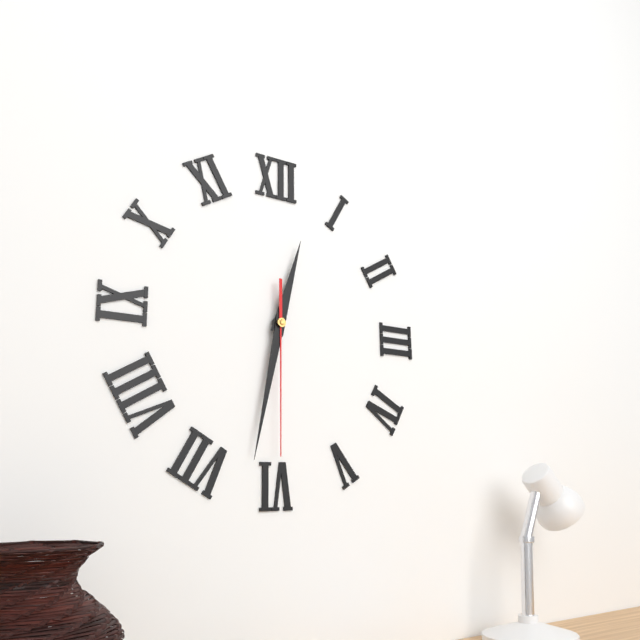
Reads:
h=12 m=32 s=30
